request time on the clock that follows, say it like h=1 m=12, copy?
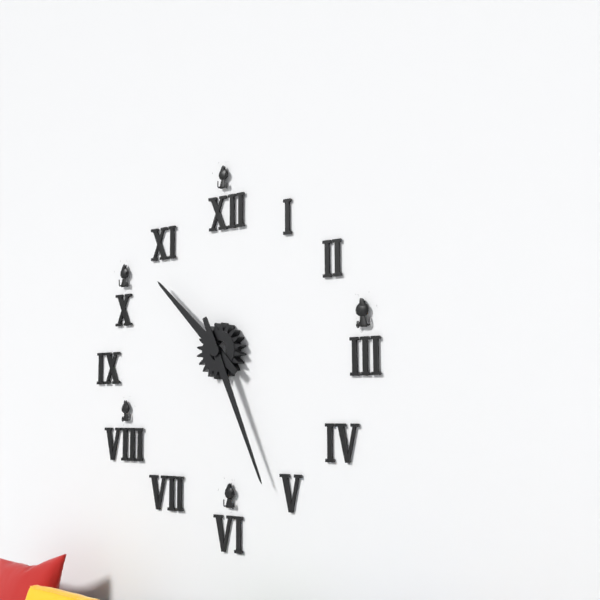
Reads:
h=10 m=26
